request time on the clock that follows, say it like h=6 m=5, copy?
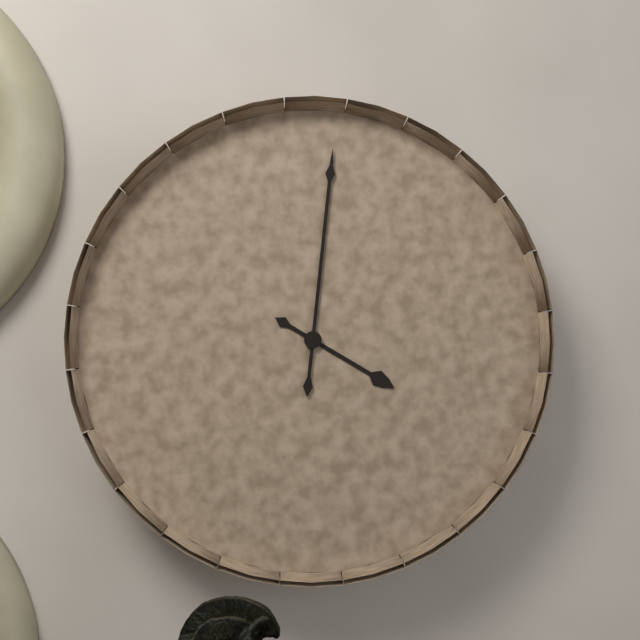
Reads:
h=4 m=1
